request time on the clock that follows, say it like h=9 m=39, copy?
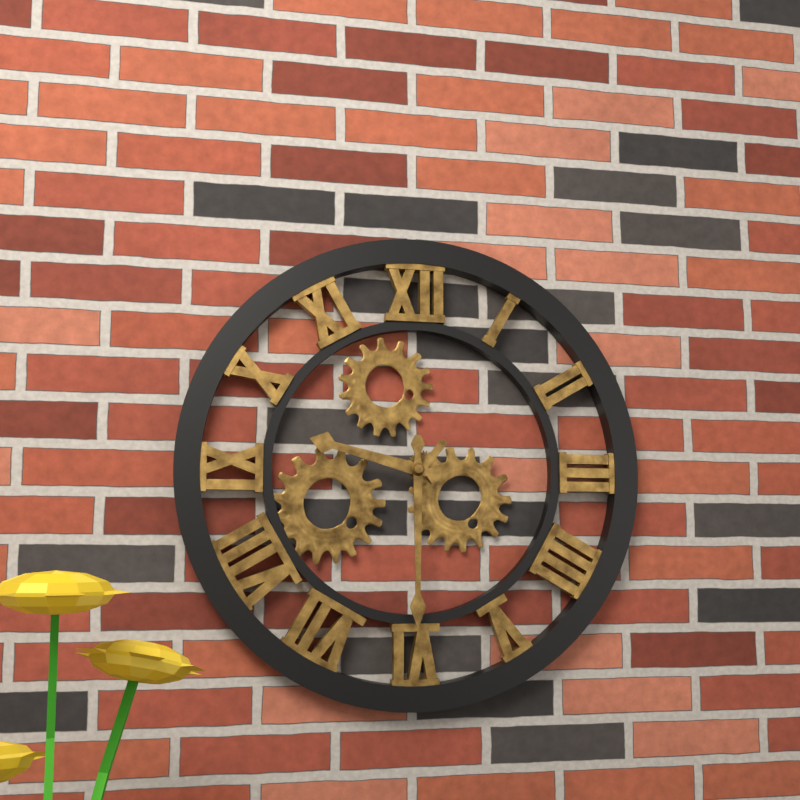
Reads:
h=9 m=30
